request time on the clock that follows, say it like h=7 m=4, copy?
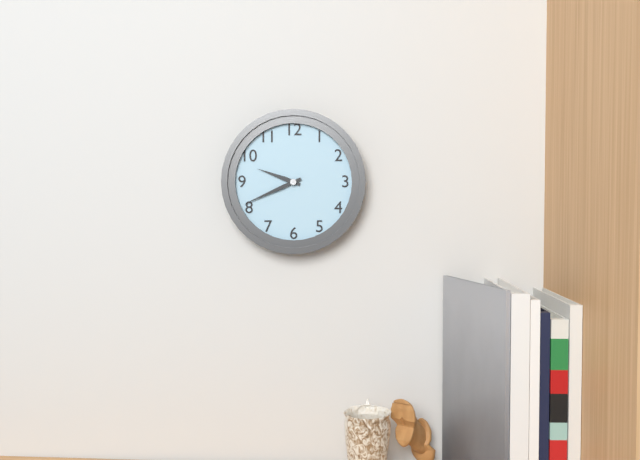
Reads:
h=9 m=41
